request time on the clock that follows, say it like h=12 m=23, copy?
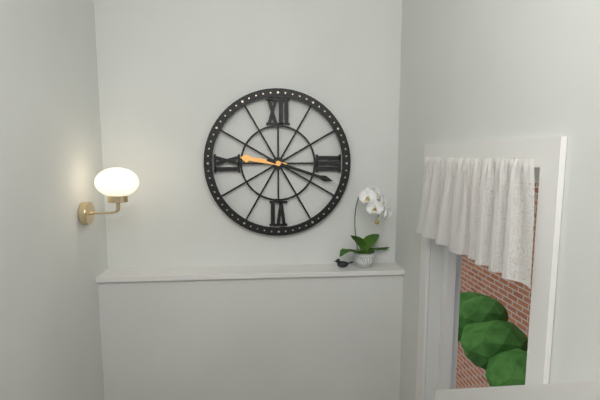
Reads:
h=9 m=18
